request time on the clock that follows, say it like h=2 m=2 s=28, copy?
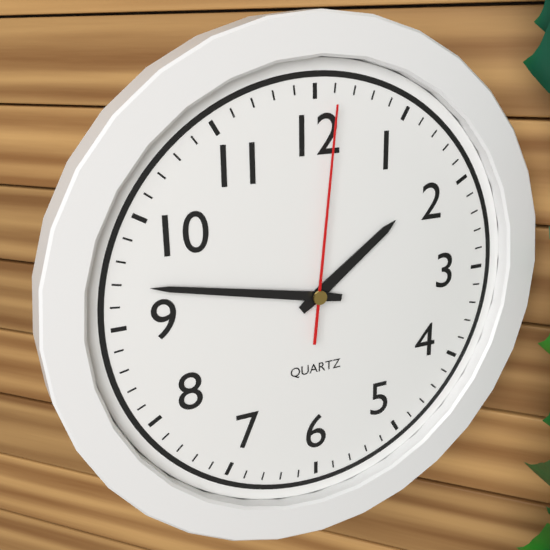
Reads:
h=1 m=47 s=1
